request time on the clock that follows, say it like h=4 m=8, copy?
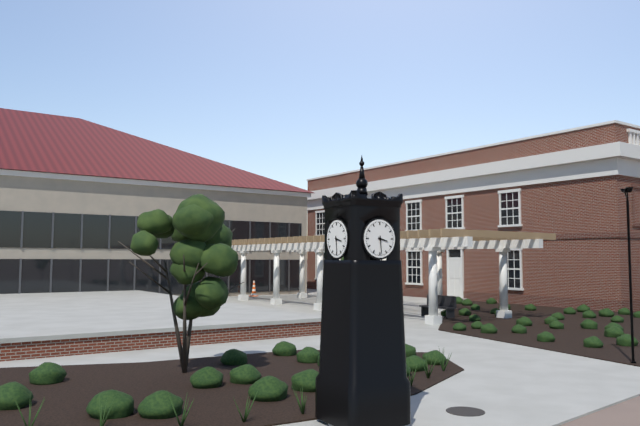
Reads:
h=3 m=29
